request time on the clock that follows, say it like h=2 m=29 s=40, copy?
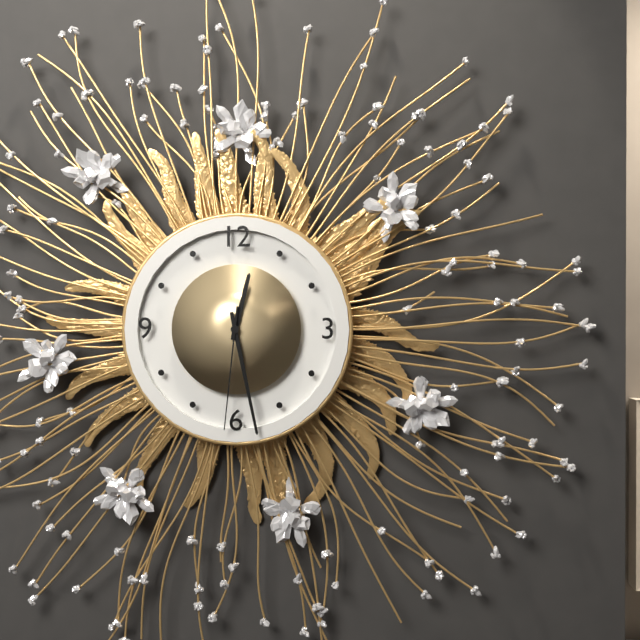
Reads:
h=12 m=28 s=31
